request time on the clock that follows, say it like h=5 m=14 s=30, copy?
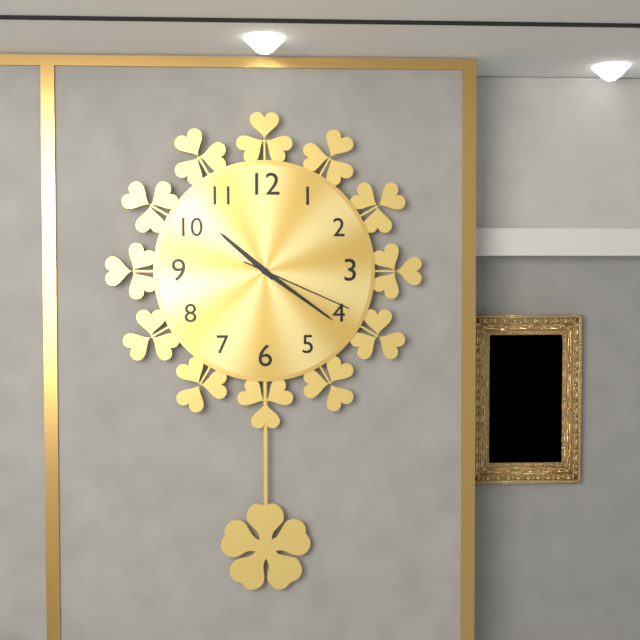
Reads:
h=10 m=21 s=19
